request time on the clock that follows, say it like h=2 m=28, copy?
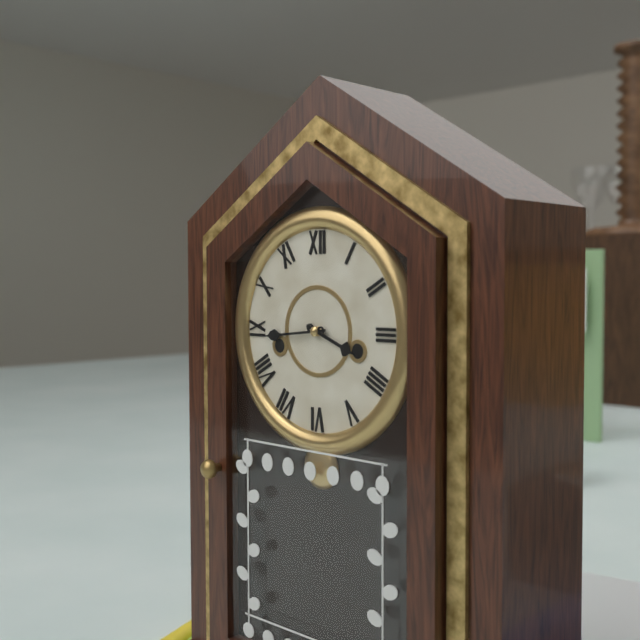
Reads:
h=3 m=44
